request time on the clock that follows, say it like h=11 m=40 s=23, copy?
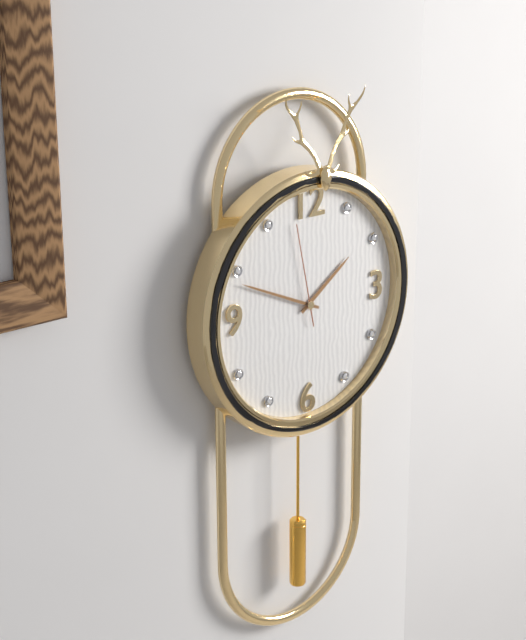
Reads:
h=1 m=49 s=58
